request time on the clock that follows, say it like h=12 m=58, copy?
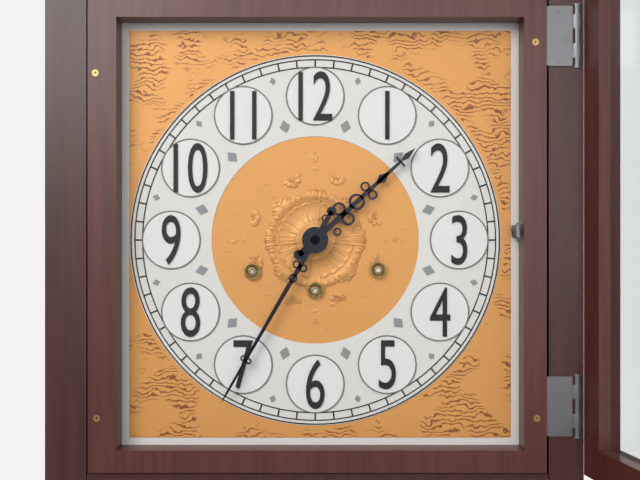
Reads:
h=1 m=35
